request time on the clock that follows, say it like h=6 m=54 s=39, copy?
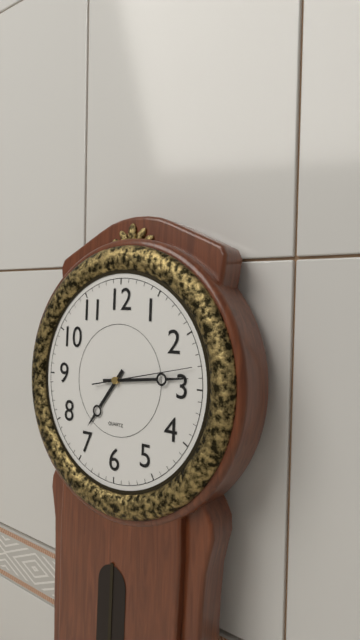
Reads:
h=7 m=14 s=13
